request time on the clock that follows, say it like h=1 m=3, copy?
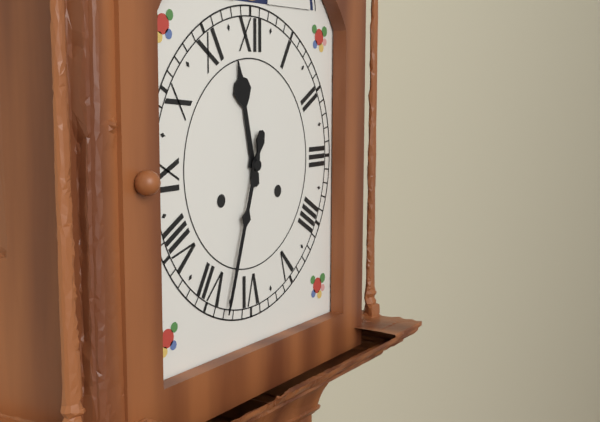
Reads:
h=11 m=33
